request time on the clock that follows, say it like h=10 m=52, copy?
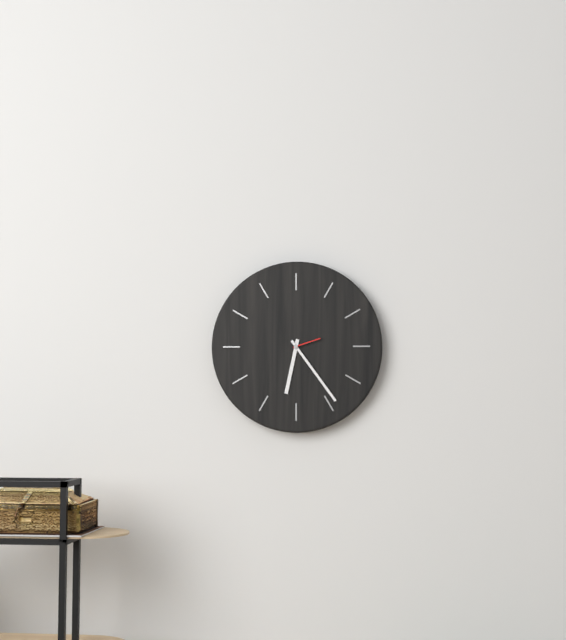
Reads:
h=6 m=24
